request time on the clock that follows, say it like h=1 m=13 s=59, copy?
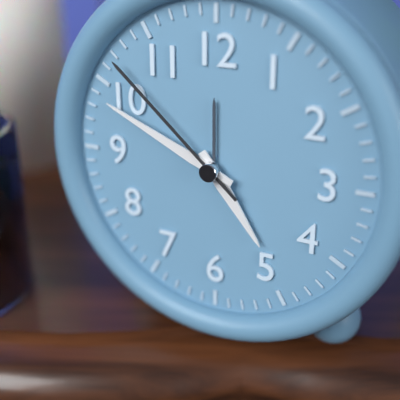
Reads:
h=4 m=49 s=52
